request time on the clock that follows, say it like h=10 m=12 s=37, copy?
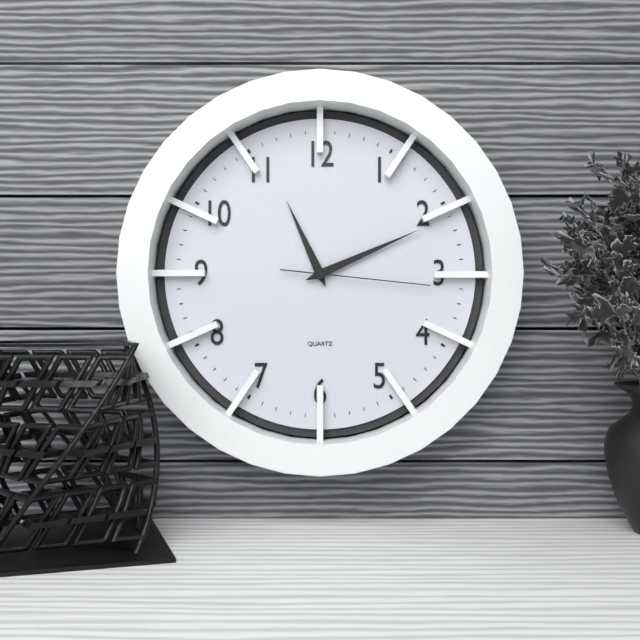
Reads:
h=11 m=11 s=16
